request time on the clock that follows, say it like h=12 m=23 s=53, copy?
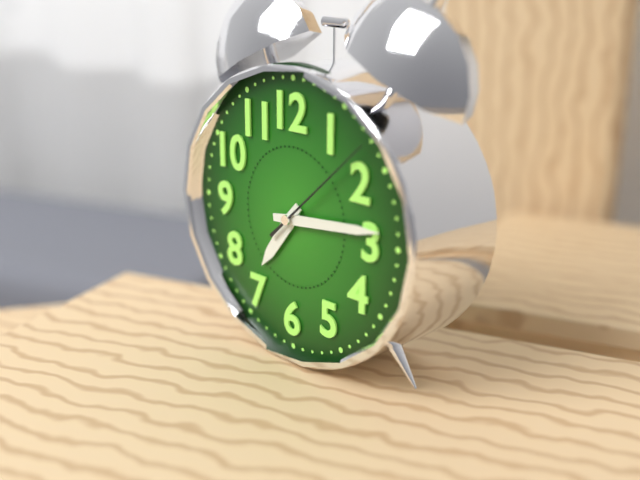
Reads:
h=7 m=14 s=8
